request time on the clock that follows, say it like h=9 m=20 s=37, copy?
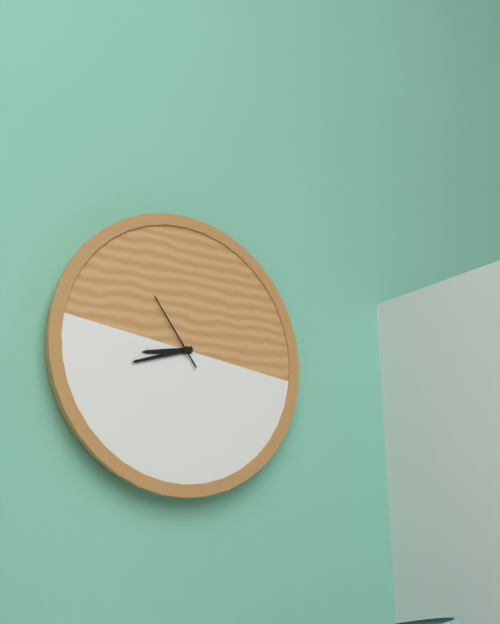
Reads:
h=8 m=42 s=54
